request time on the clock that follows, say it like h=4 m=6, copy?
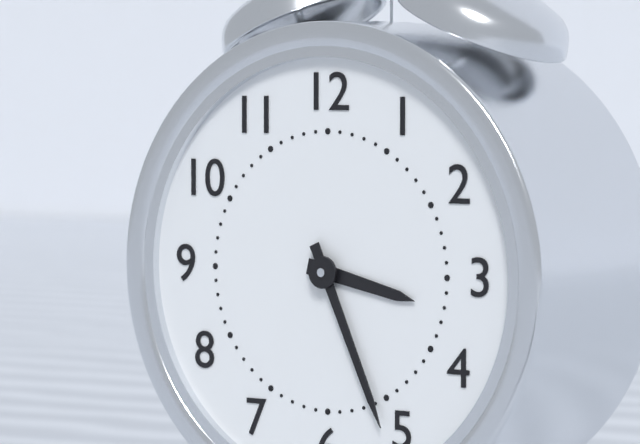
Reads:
h=3 m=26
